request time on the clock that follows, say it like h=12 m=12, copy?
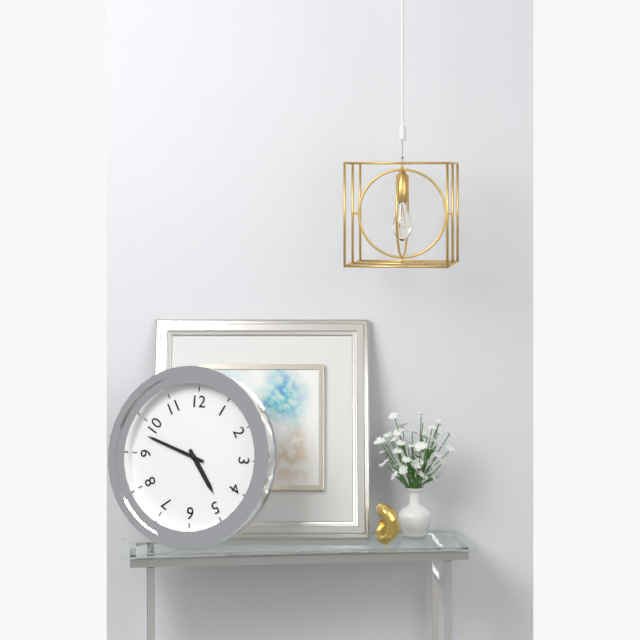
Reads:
h=4 m=48
